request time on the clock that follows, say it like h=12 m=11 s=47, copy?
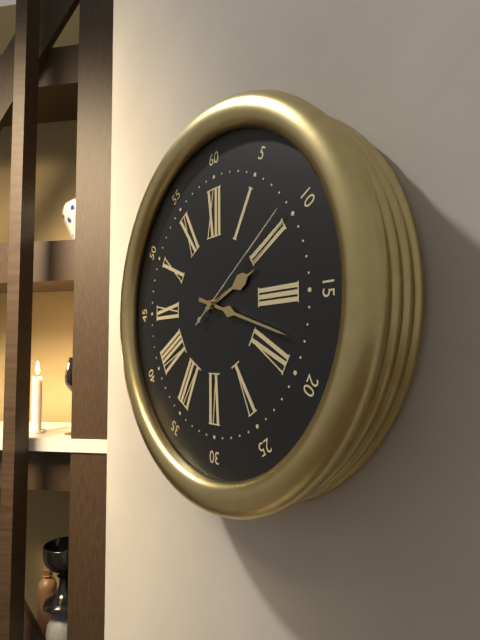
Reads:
h=2 m=18 s=9
